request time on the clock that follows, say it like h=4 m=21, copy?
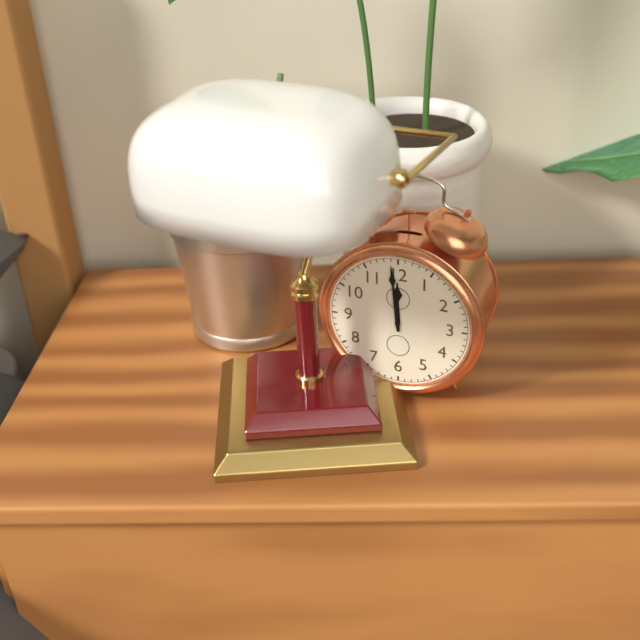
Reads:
h=11 m=59
